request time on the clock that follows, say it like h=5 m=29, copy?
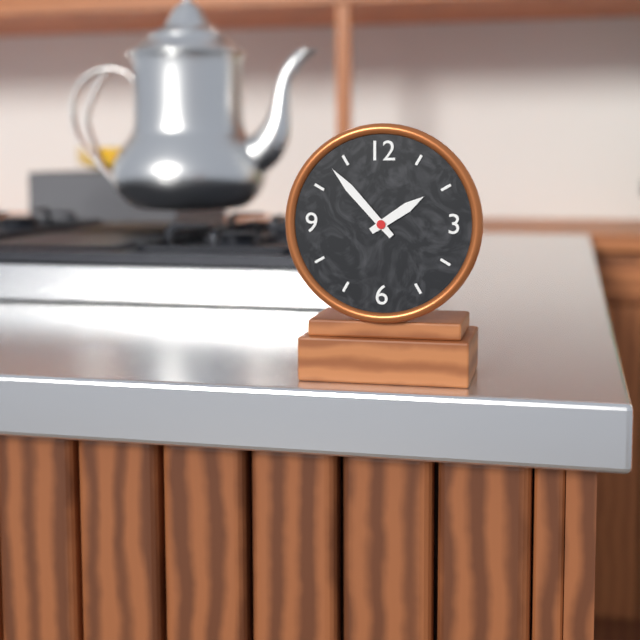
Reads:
h=1 m=53
